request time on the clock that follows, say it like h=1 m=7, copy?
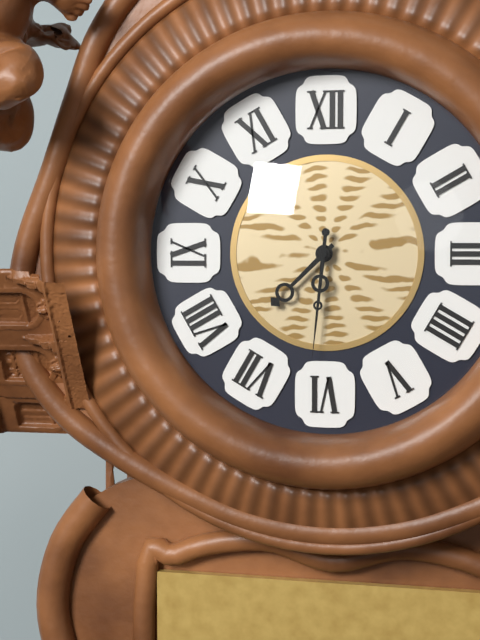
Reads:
h=7 m=31
